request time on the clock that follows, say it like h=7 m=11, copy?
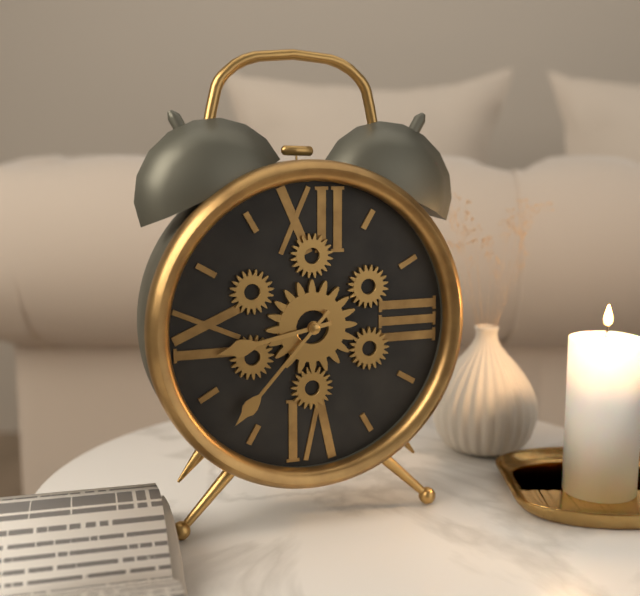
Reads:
h=8 m=37
